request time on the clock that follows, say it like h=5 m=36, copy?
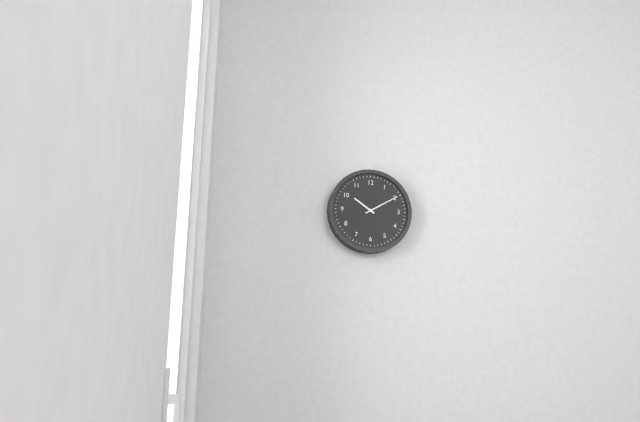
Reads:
h=10 m=10
